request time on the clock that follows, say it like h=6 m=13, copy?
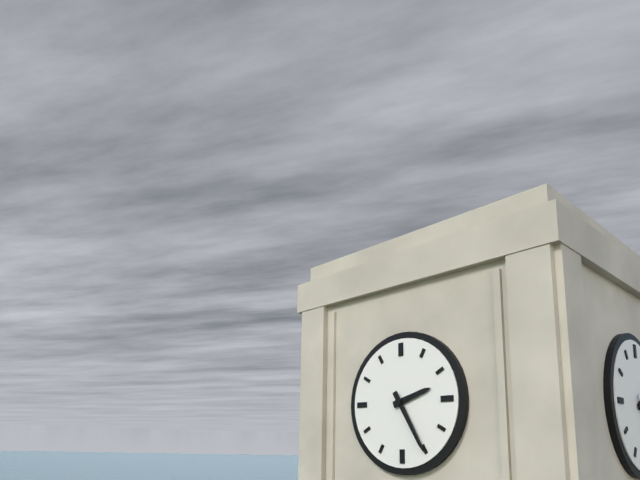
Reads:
h=2 m=25
